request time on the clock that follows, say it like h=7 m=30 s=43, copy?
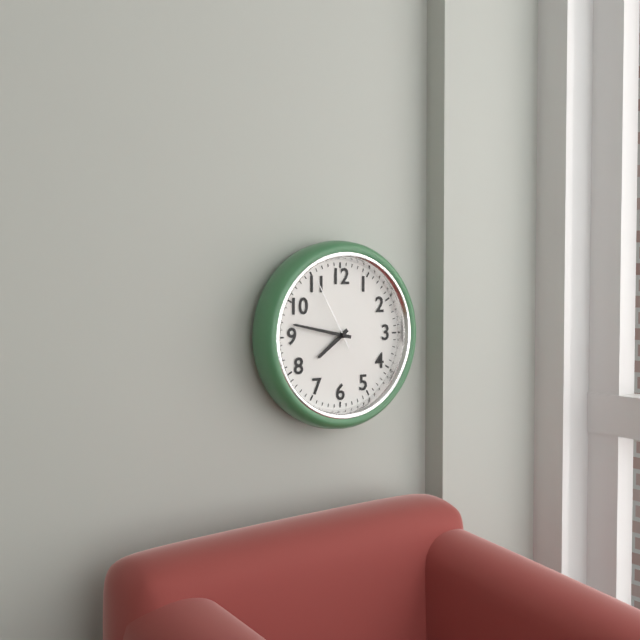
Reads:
h=7 m=47 s=55
